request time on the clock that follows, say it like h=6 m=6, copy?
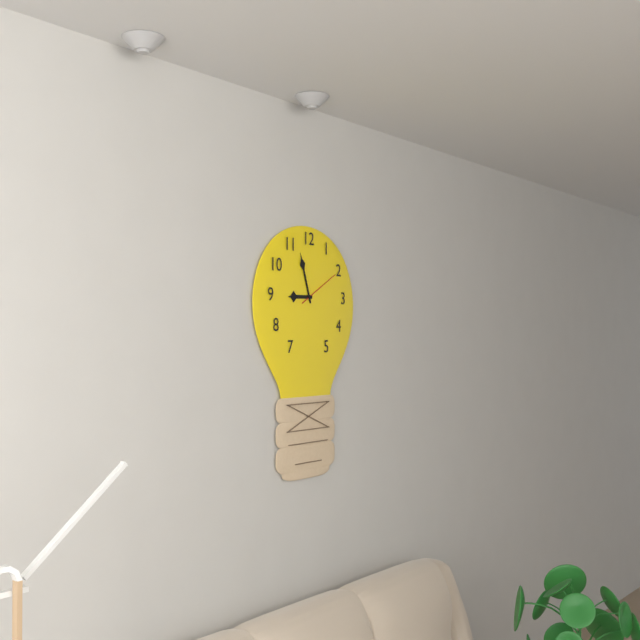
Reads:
h=8 m=57
